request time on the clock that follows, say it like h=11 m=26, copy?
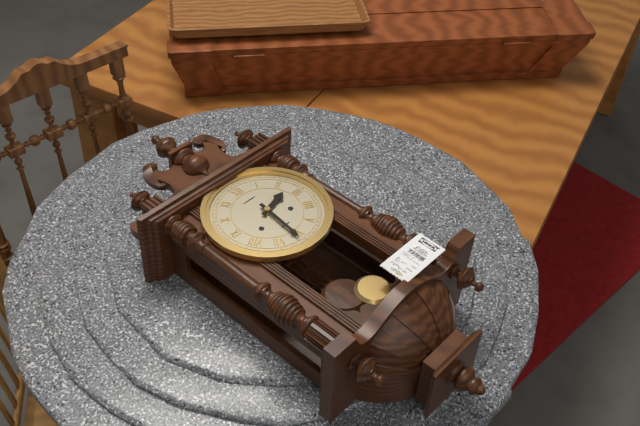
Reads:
h=2 m=31
